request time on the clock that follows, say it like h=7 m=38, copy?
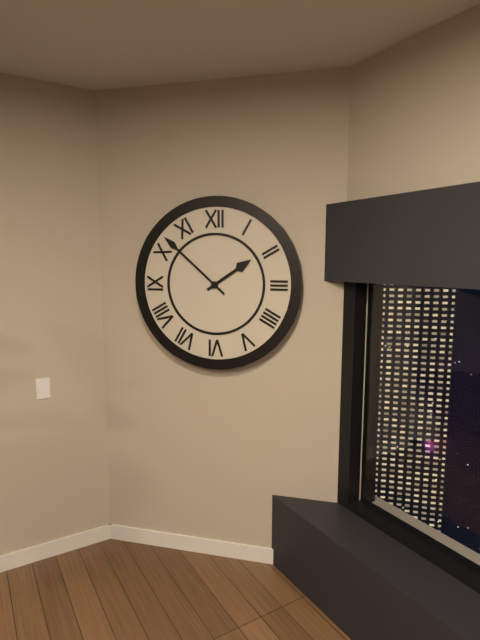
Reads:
h=1 m=52
